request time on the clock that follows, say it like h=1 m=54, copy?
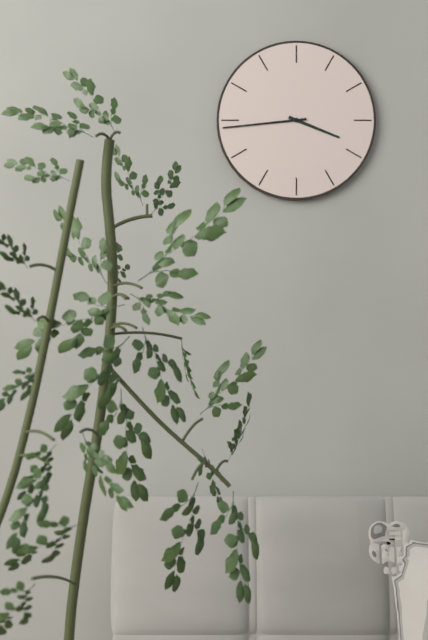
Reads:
h=3 m=44
